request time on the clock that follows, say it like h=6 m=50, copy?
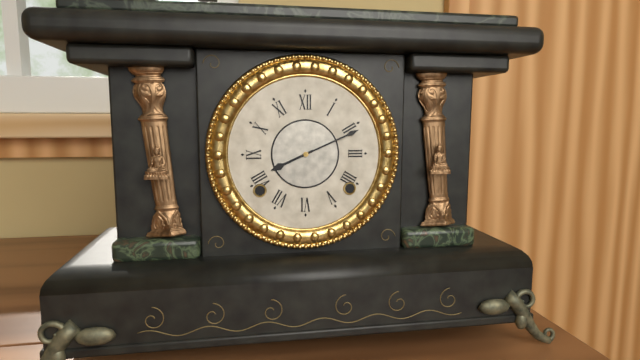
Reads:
h=8 m=11
